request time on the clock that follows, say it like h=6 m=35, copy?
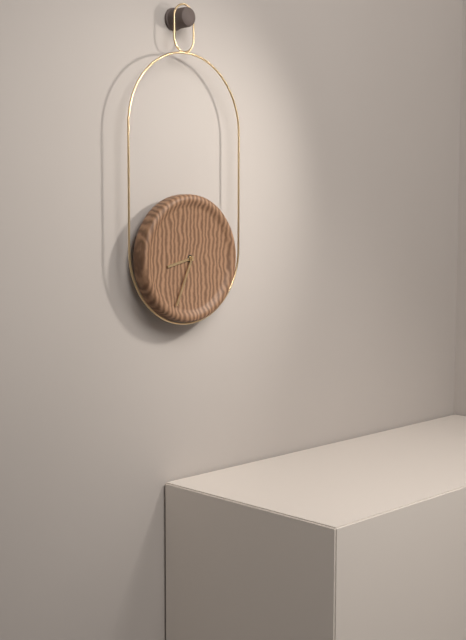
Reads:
h=8 m=34
